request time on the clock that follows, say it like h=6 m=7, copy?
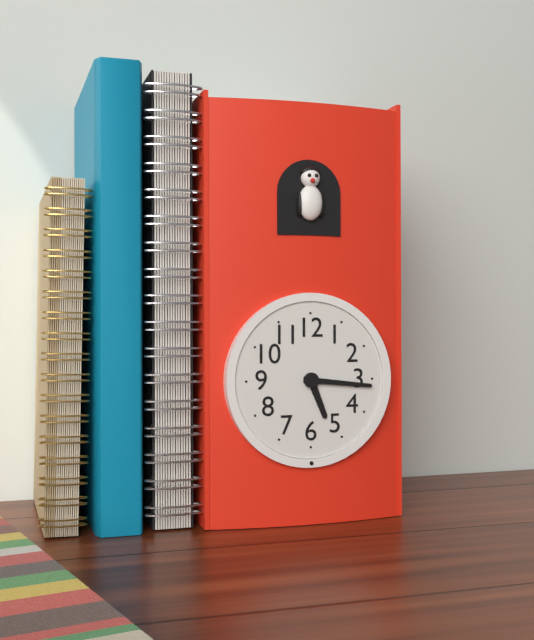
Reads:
h=5 m=16
